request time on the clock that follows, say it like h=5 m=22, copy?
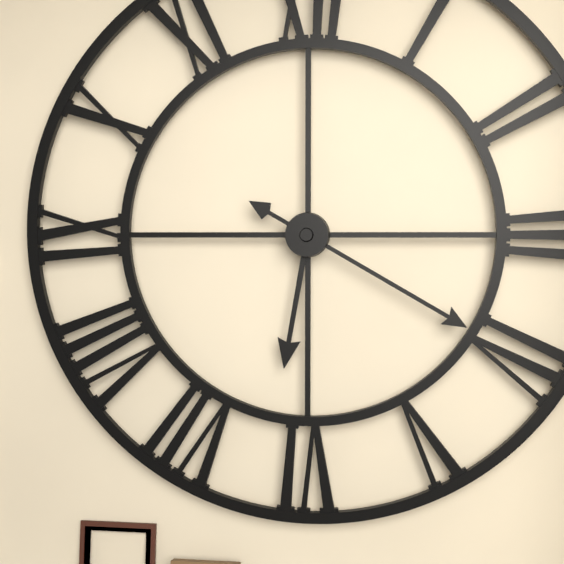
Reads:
h=6 m=20
